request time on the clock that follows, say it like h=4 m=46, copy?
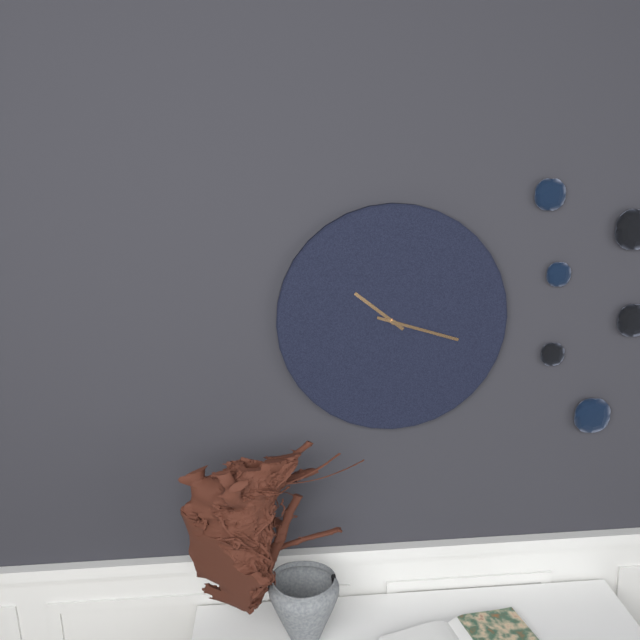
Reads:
h=10 m=18
